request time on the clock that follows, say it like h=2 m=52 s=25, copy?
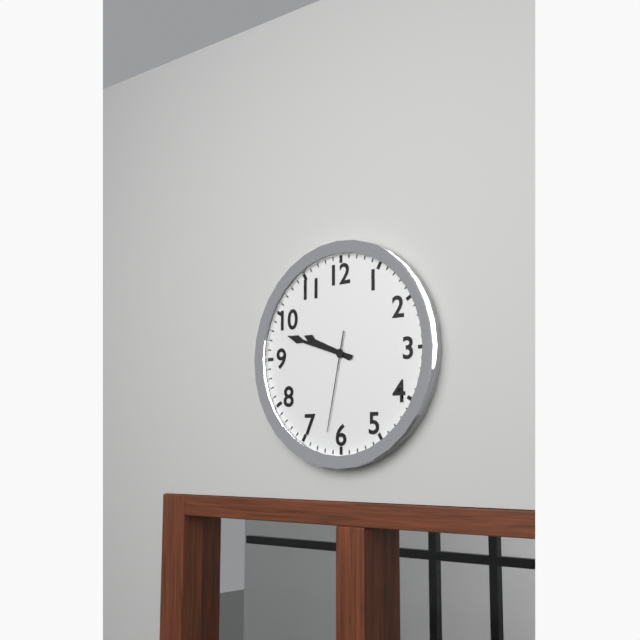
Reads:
h=9 m=48 s=32
